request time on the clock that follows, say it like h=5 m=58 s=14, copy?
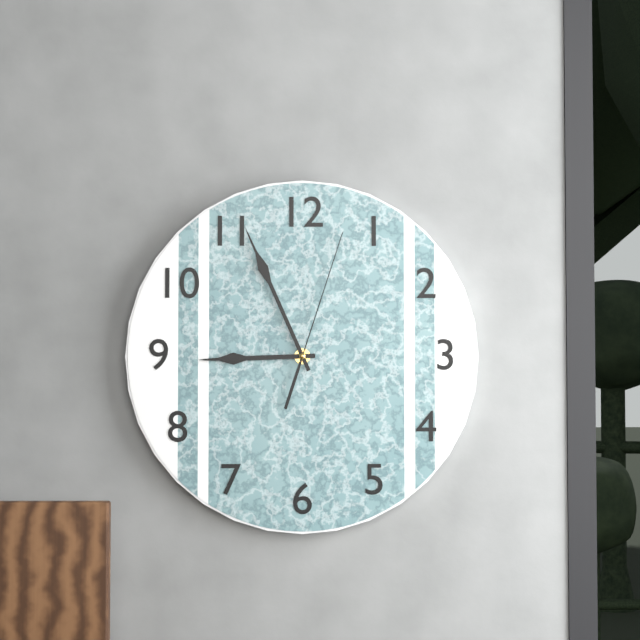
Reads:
h=8 m=56 s=3
